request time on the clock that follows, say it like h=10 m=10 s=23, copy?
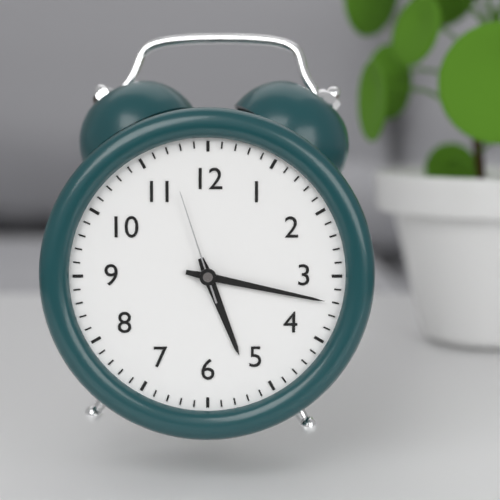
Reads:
h=5 m=17 s=57
